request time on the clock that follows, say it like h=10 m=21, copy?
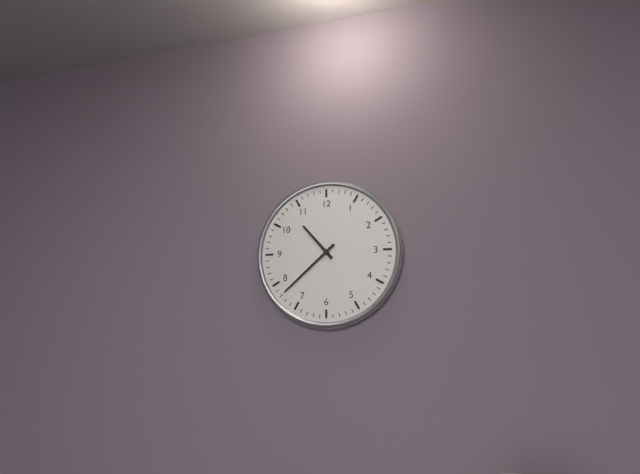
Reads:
h=10 m=38
